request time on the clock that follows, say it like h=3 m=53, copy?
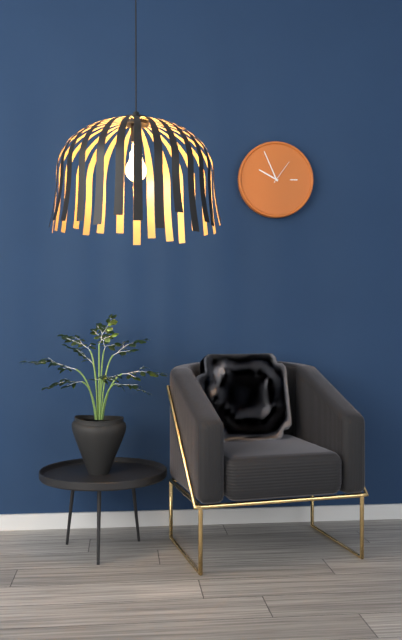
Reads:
h=9 m=56
